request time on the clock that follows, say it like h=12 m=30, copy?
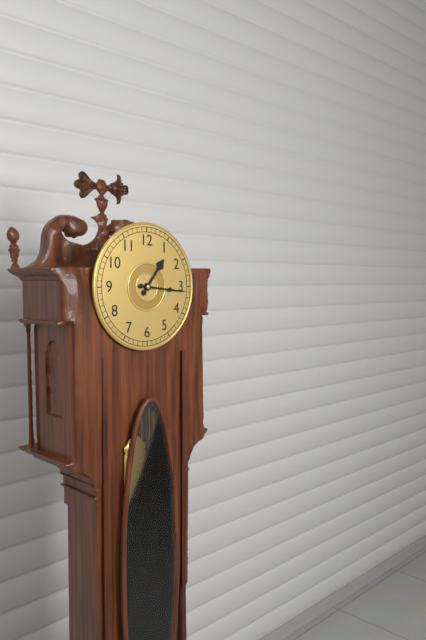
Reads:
h=1 m=16
